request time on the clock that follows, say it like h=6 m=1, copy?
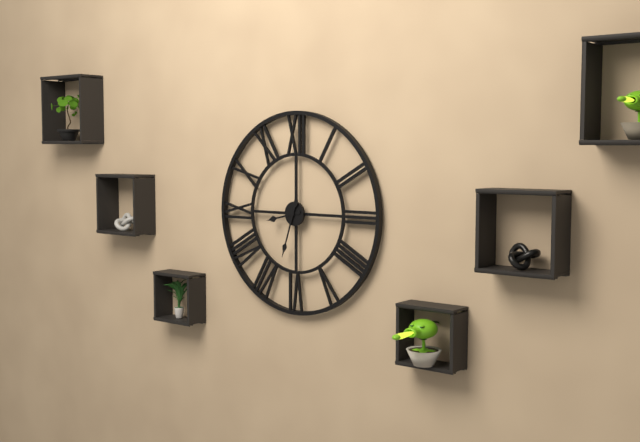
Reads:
h=8 m=33
